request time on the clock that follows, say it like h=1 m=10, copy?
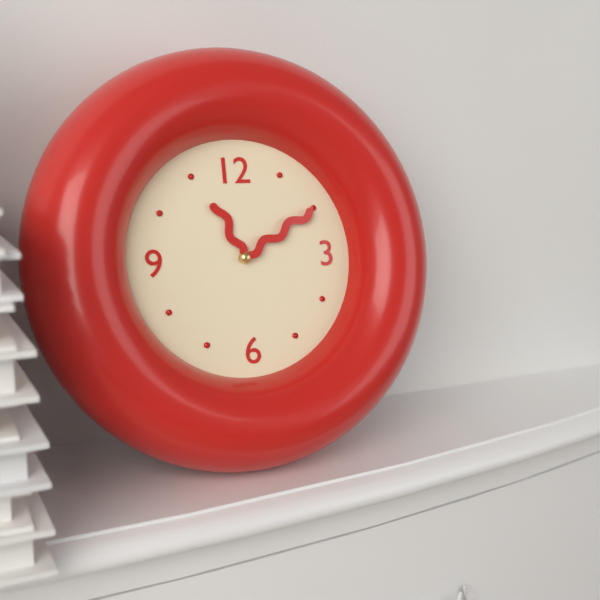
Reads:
h=11 m=10
